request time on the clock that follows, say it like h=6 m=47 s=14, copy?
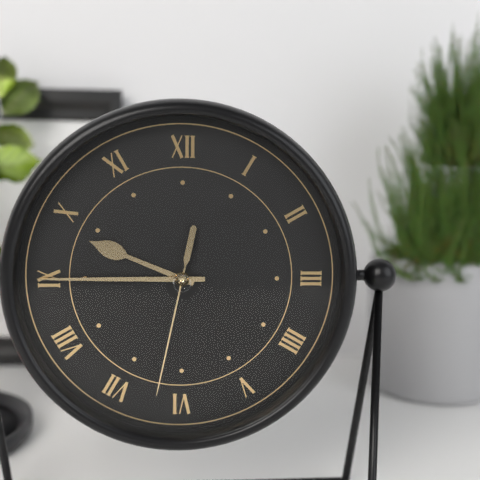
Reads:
h=9 m=45 s=32
